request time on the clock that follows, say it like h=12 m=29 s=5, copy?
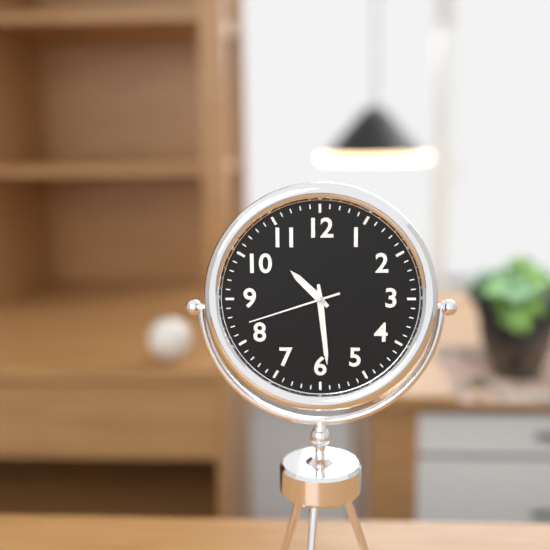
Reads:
h=10 m=29 s=42
